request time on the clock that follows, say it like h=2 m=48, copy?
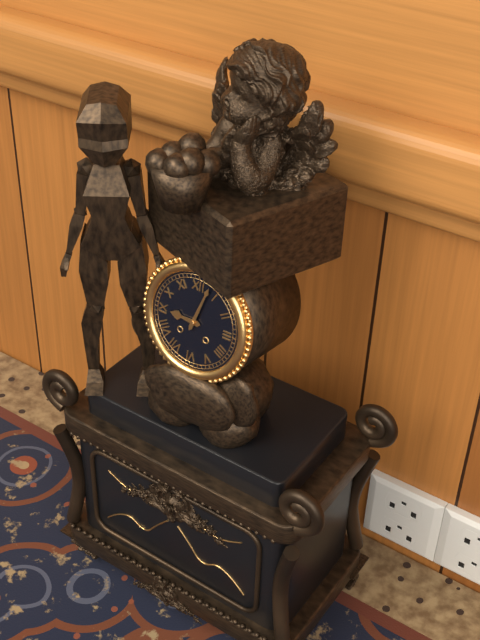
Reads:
h=9 m=3
